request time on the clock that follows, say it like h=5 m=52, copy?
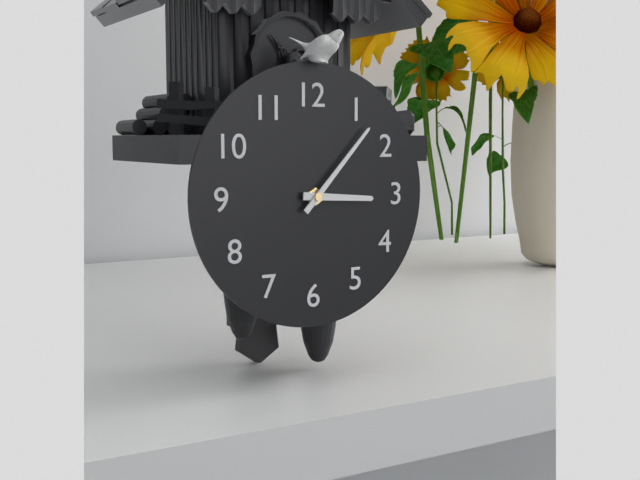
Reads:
h=3 m=7
